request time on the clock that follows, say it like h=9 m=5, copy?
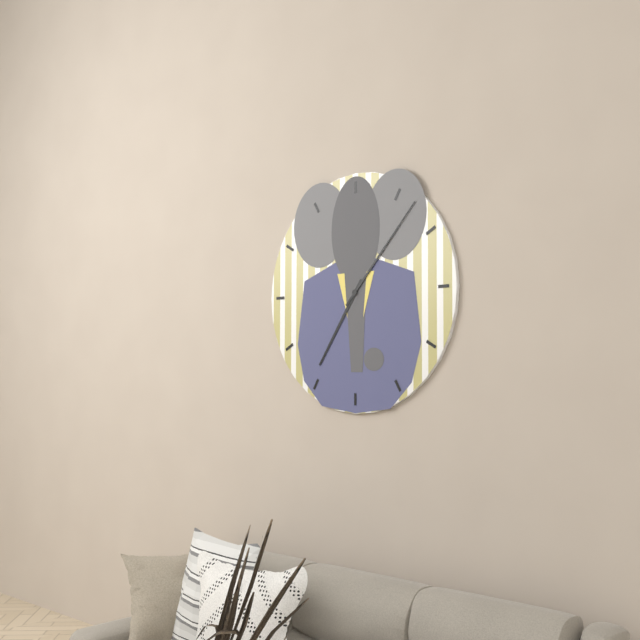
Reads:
h=7 m=7
